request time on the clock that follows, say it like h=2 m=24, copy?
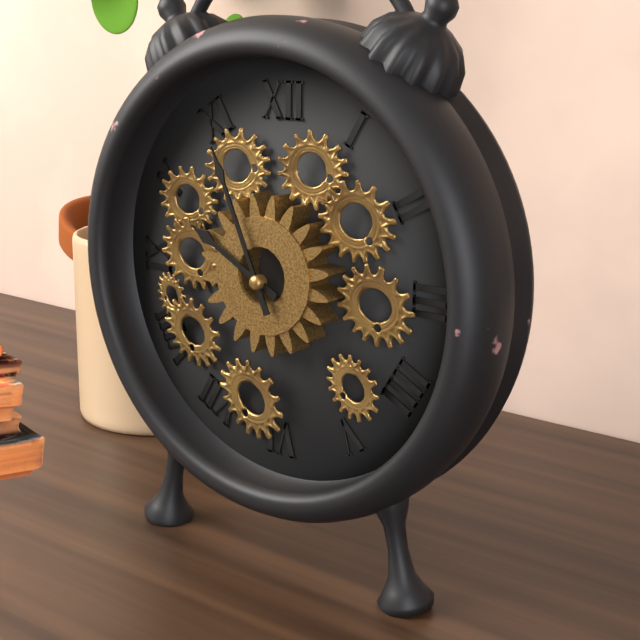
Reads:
h=9 m=56
